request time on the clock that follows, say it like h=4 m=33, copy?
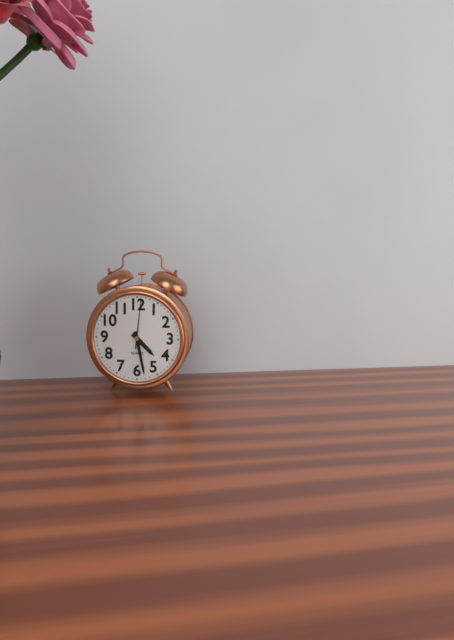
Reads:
h=4 m=28
